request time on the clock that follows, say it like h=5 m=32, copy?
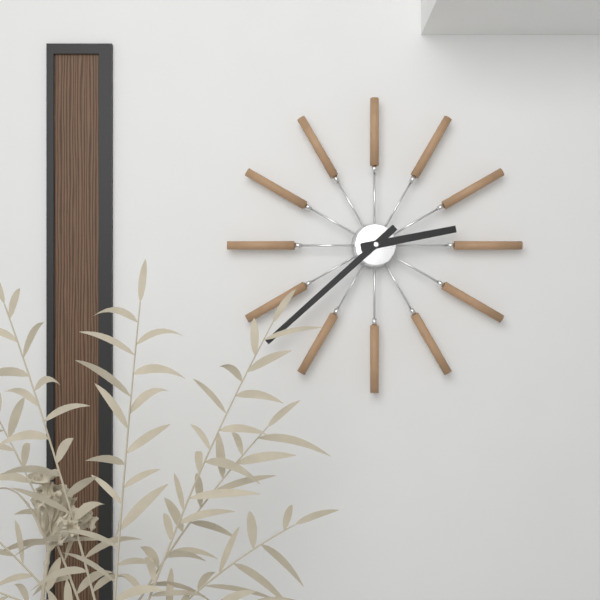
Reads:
h=2 m=38
